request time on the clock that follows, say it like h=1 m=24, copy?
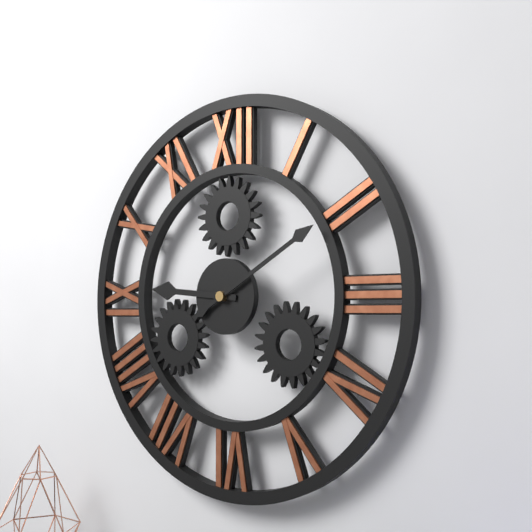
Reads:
h=9 m=10
